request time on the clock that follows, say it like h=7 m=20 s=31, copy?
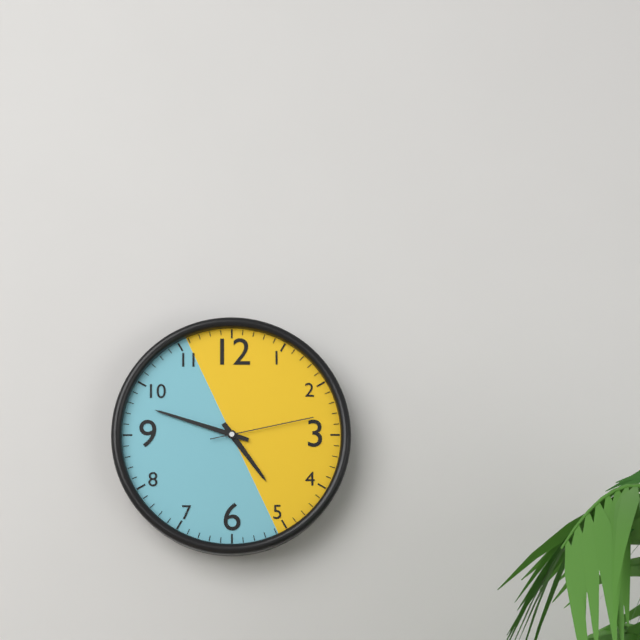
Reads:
h=4 m=48 s=13
